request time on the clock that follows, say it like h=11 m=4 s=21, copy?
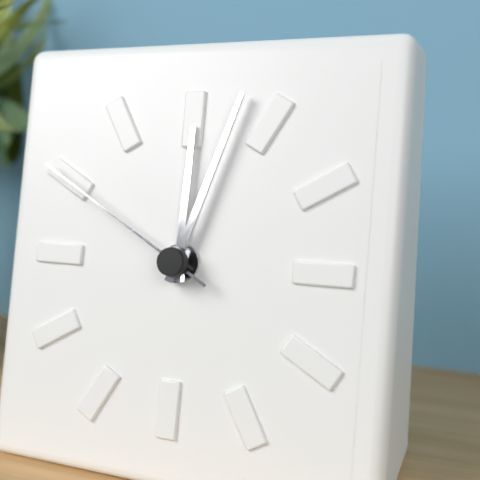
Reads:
h=12 m=3 s=50
